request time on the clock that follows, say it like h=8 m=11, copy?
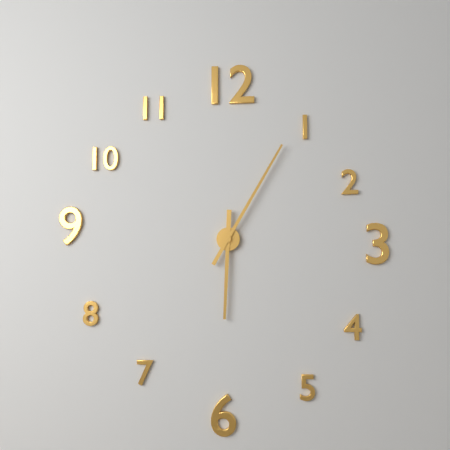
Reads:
h=6 m=5
